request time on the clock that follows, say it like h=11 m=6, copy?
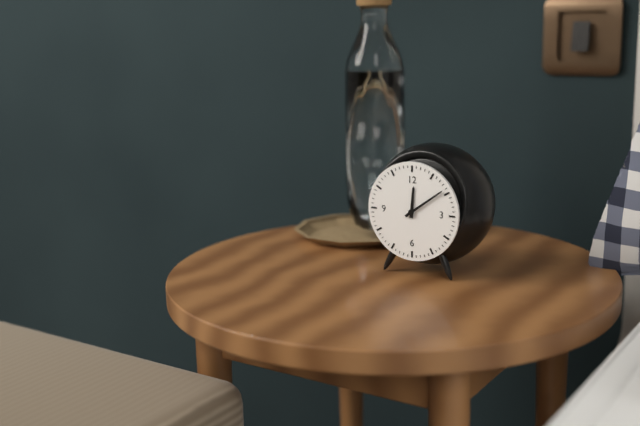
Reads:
h=12 m=9
